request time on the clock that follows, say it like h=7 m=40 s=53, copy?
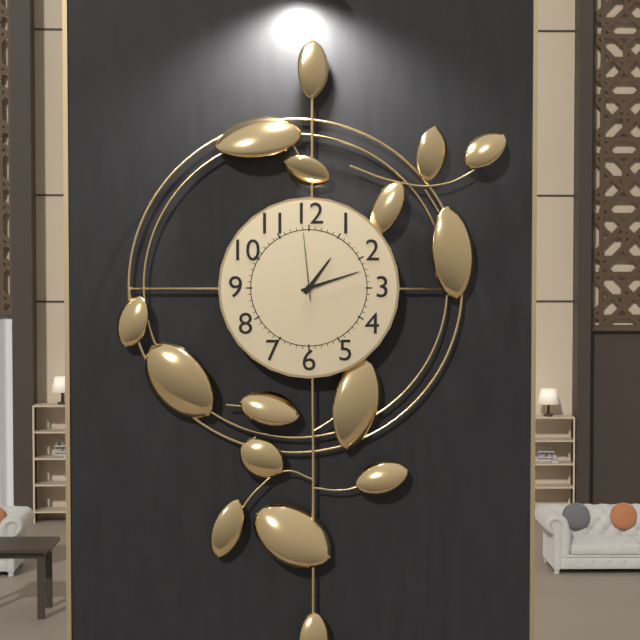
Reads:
h=1 m=12 s=59
